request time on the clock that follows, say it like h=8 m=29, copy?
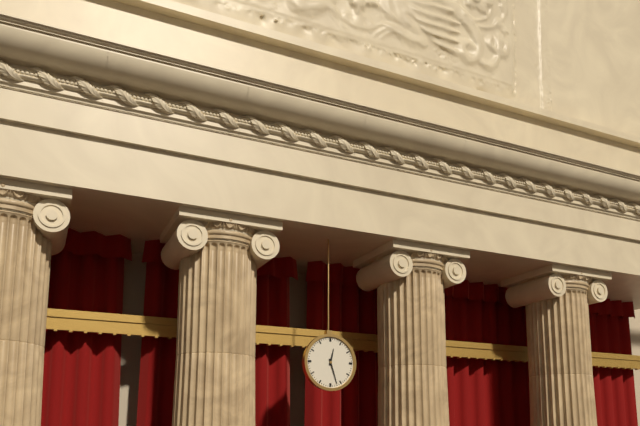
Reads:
h=12 m=27
